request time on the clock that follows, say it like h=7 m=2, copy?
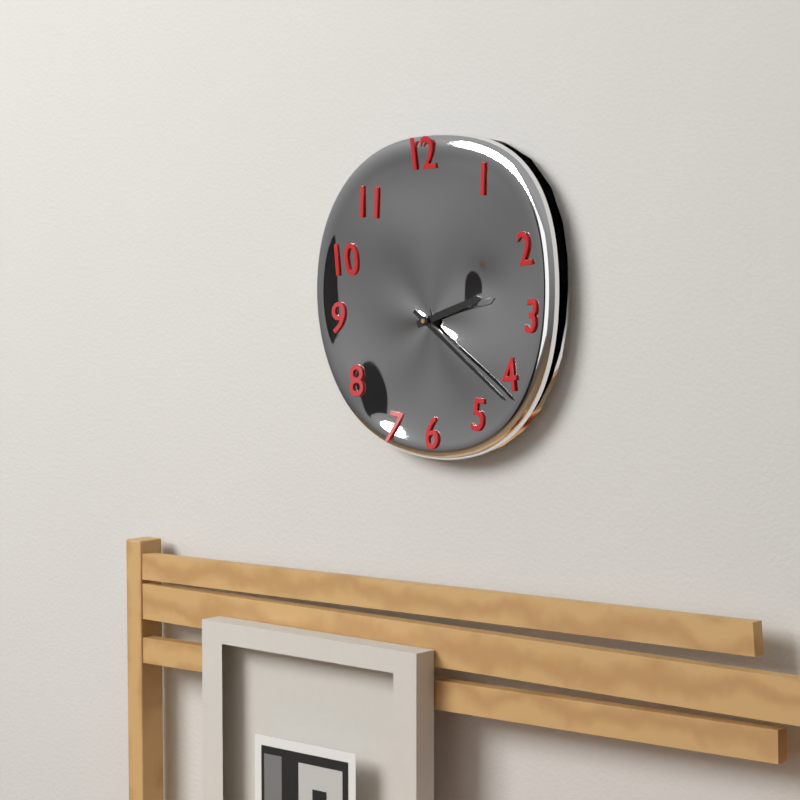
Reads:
h=2 m=21
